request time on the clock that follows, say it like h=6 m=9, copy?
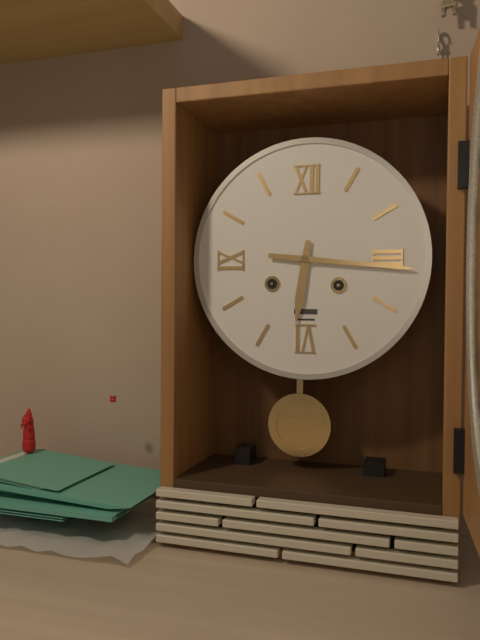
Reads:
h=6 m=16
